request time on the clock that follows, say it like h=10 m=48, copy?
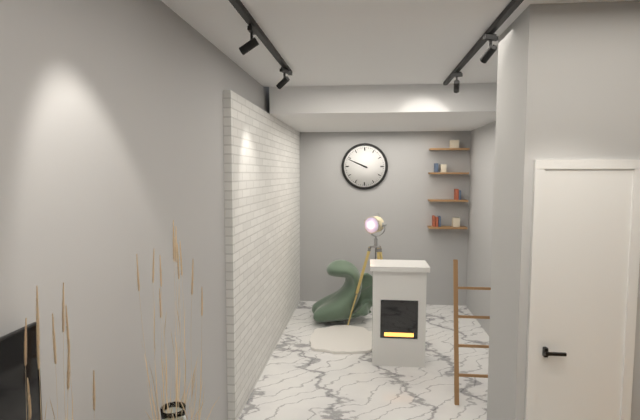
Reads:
h=9 m=49
